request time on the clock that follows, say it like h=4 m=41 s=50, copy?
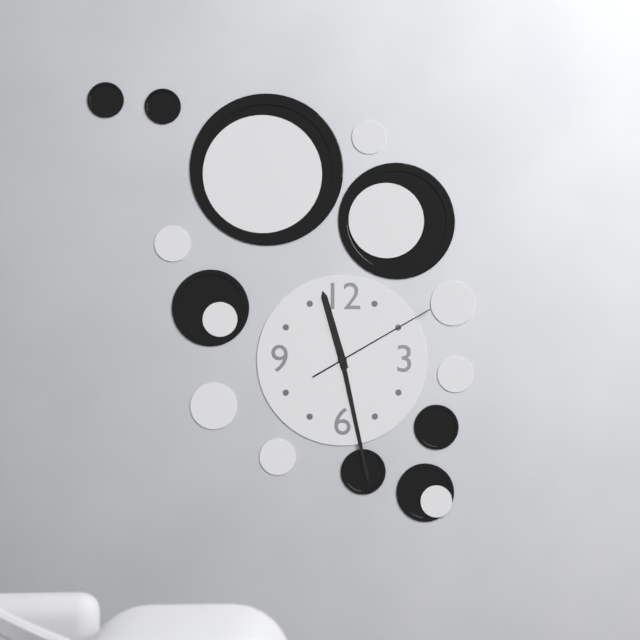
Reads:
h=11 m=28 s=10
